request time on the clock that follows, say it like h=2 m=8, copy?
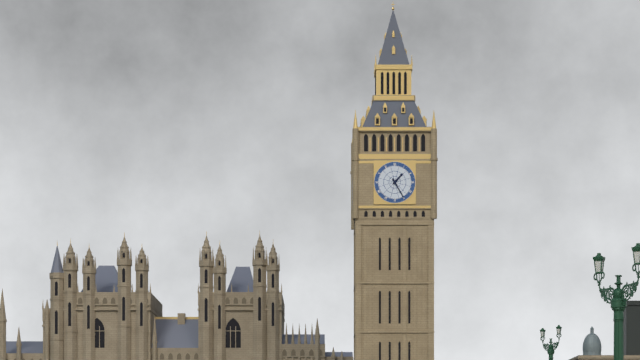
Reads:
h=1 m=25
